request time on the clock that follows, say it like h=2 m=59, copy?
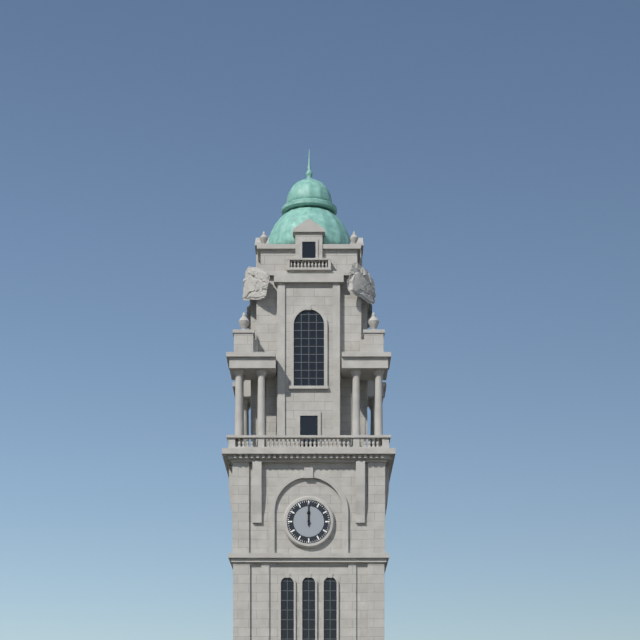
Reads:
h=12 m=0
